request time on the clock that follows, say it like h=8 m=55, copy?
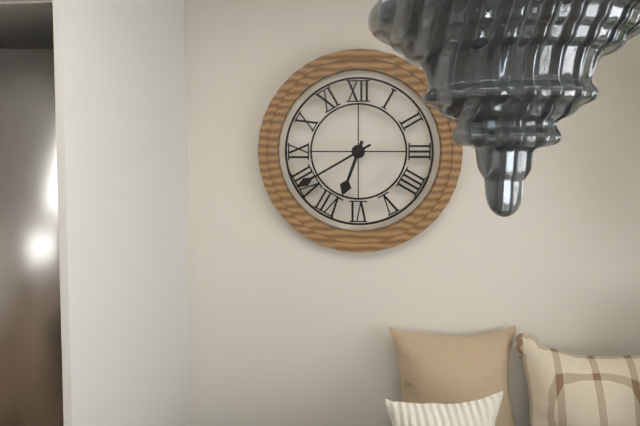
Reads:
h=6 m=40
